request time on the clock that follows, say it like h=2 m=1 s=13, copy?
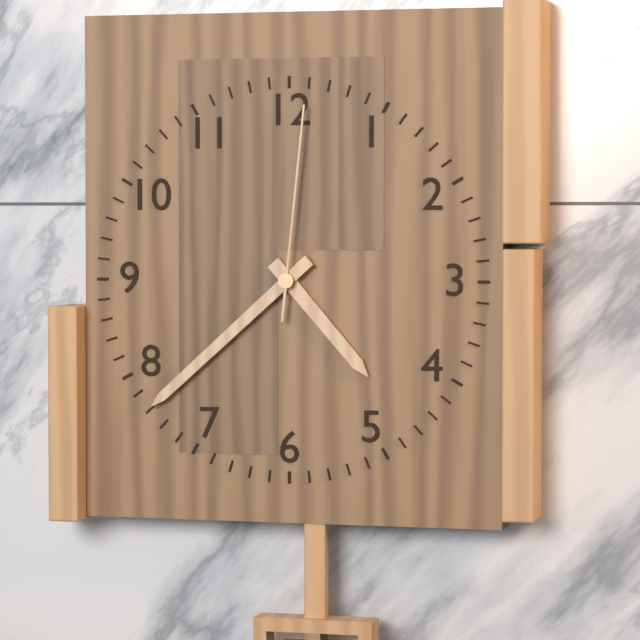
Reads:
h=4 m=38 s=1
